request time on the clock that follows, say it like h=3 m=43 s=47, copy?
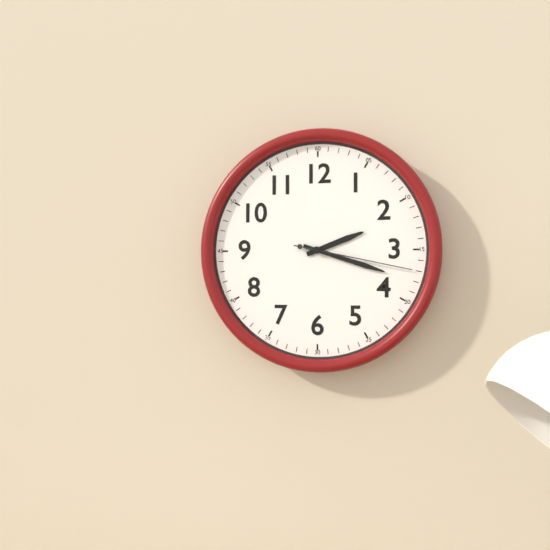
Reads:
h=2 m=18 s=17
